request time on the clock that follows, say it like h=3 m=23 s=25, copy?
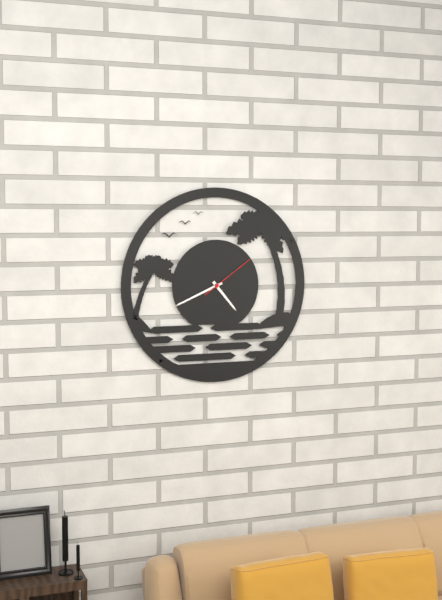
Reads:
h=4 m=41 s=9
